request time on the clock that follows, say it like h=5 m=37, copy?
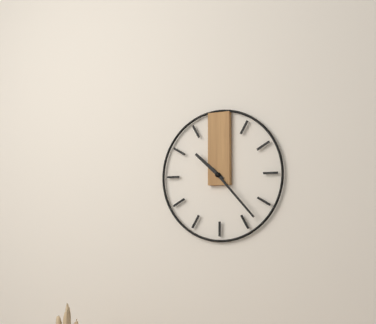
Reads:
h=10 m=23
